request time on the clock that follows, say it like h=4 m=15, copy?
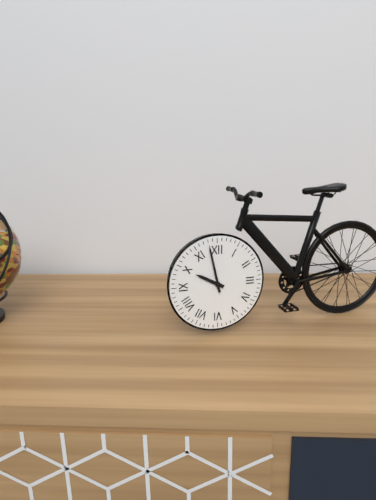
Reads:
h=9 m=58
